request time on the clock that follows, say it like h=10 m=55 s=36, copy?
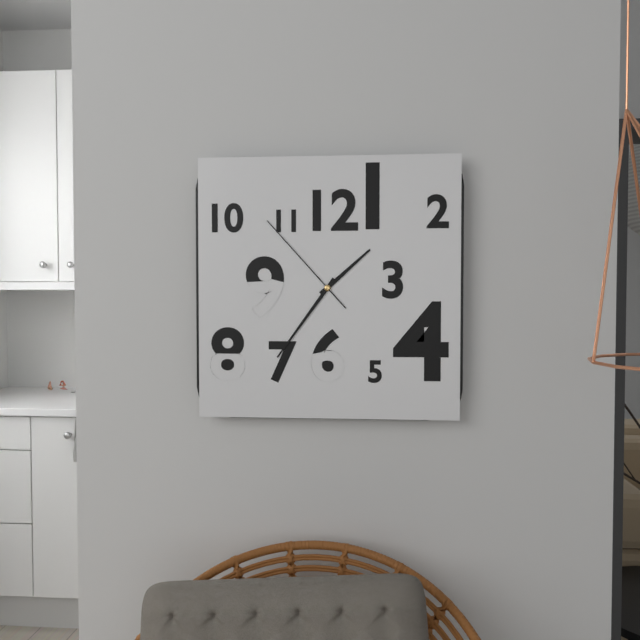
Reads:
h=1 m=36 s=53
